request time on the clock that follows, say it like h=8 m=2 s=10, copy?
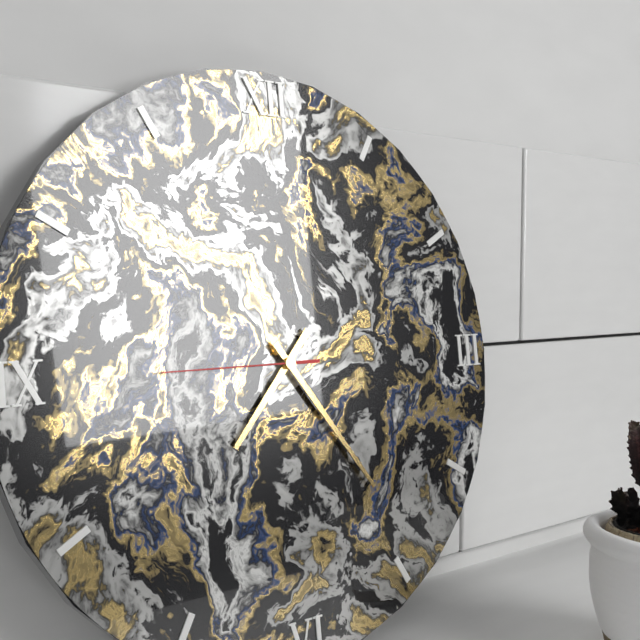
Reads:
h=7 m=24 s=45
